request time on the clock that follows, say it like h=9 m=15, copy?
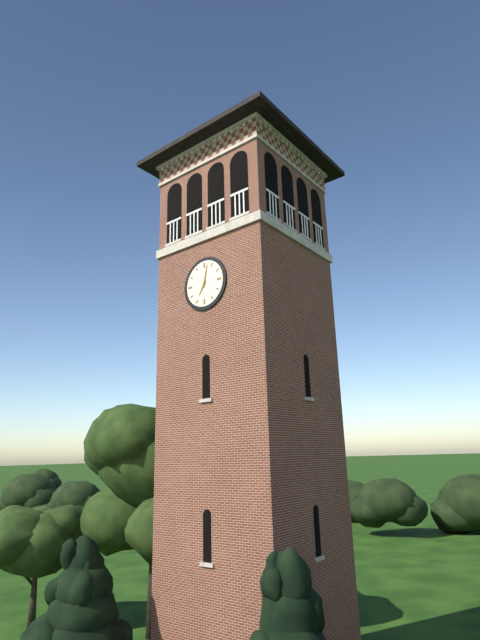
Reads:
h=7 m=2
